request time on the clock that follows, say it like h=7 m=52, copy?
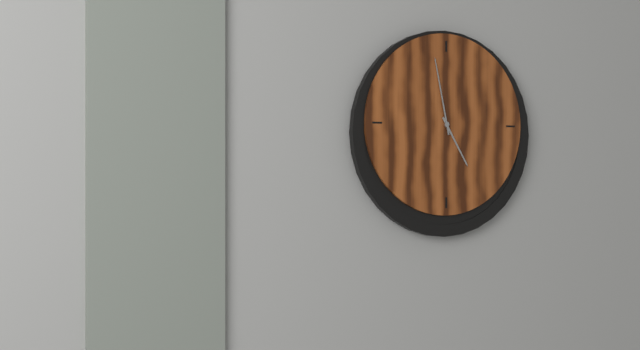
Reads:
h=4 m=58
